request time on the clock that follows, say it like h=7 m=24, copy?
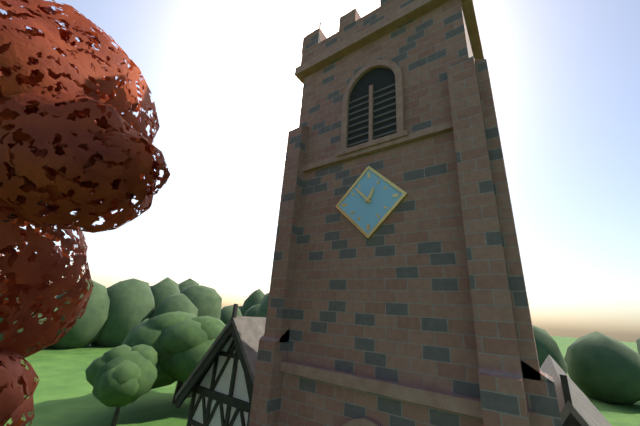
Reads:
h=12 m=53
